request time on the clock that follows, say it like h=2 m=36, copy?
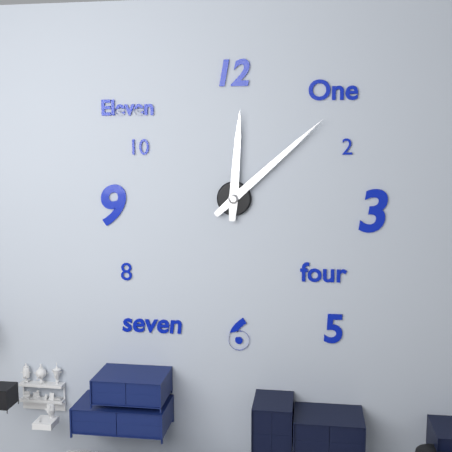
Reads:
h=12 m=8
